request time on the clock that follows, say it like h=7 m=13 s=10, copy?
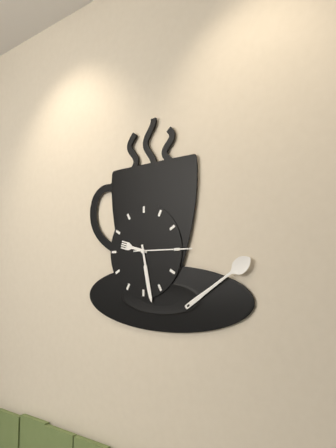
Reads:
h=9 m=28 s=15
